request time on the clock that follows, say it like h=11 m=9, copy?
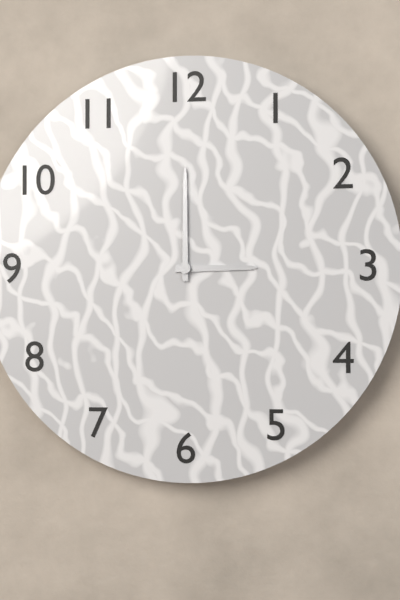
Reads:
h=3 m=0
